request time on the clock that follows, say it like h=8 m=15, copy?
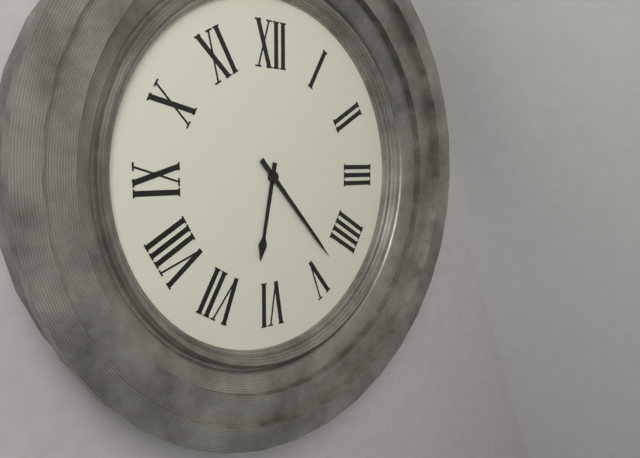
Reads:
h=6 m=23
